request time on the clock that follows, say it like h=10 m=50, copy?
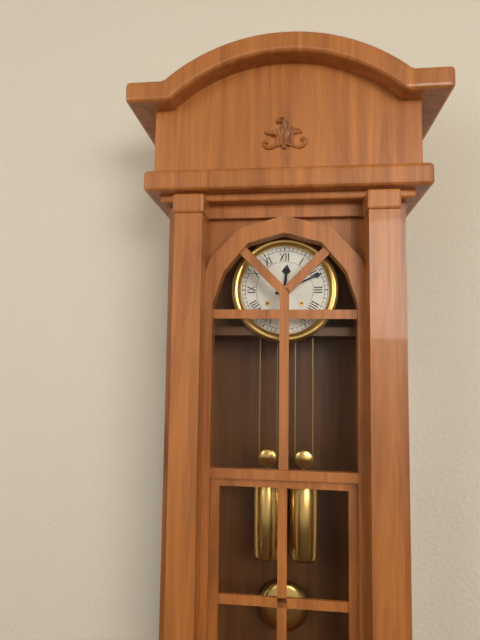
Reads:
h=12 m=11
